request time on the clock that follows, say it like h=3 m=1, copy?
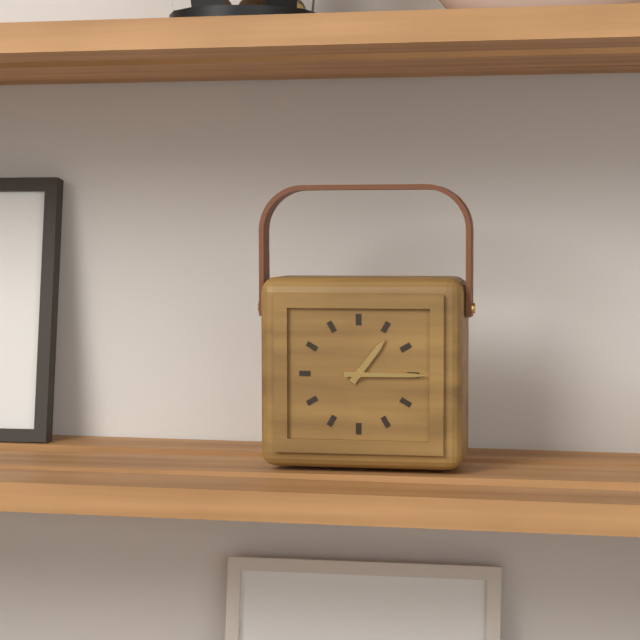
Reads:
h=1 m=15
